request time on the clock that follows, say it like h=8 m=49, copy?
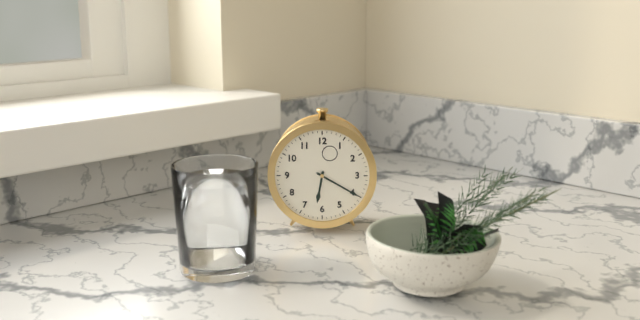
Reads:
h=6 m=20
